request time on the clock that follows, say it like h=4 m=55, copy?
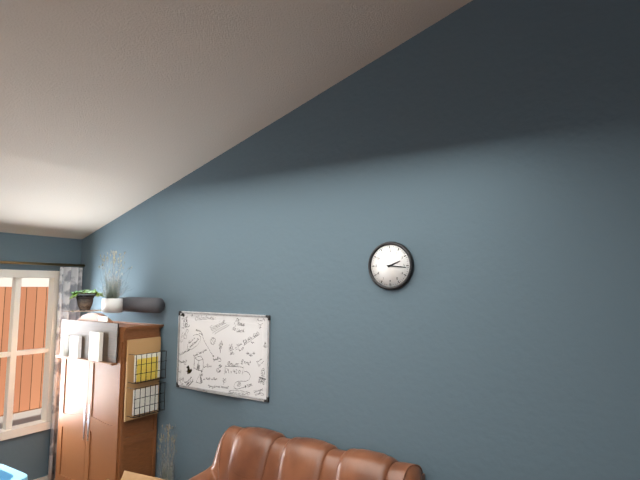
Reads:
h=2 m=16
